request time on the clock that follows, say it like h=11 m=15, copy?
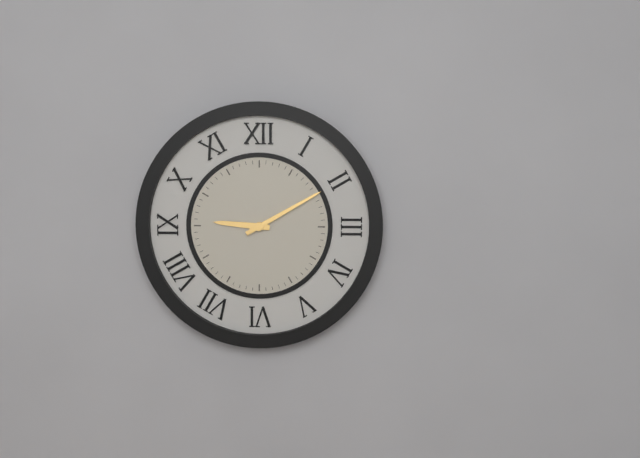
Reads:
h=9 m=10
